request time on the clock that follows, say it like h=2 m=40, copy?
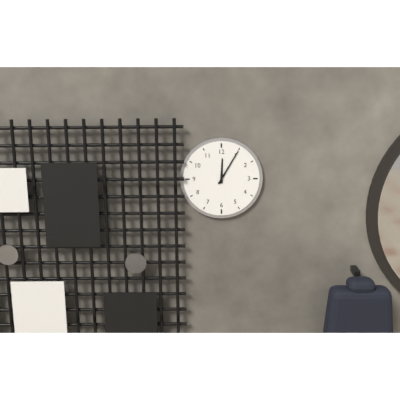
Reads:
h=12 m=5
